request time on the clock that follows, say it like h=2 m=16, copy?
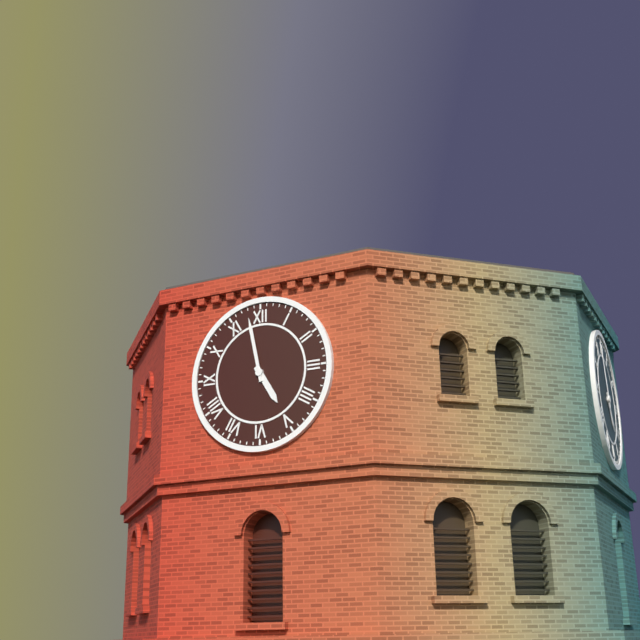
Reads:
h=4 m=58
